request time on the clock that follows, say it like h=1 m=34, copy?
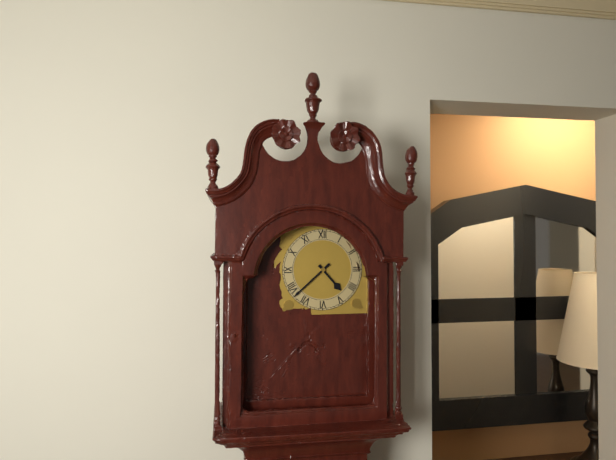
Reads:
h=4 m=38
